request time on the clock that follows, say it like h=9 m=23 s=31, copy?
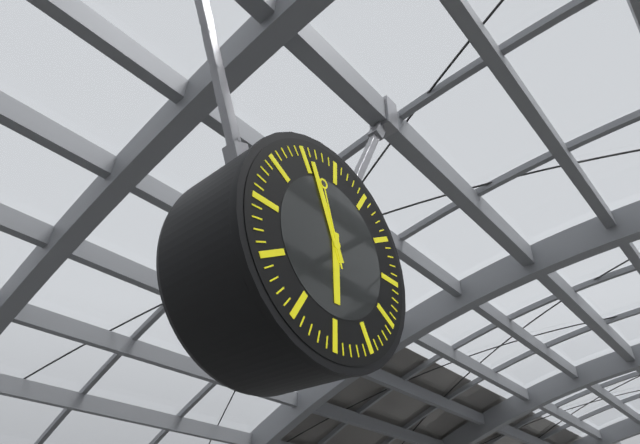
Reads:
h=5 m=56 s=57
